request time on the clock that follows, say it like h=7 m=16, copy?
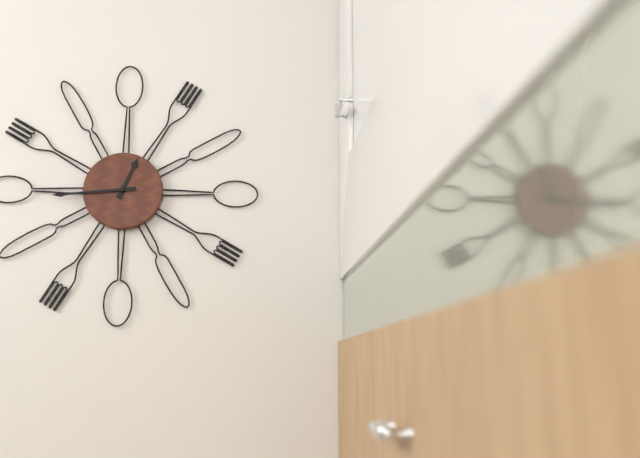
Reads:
h=12 m=44
